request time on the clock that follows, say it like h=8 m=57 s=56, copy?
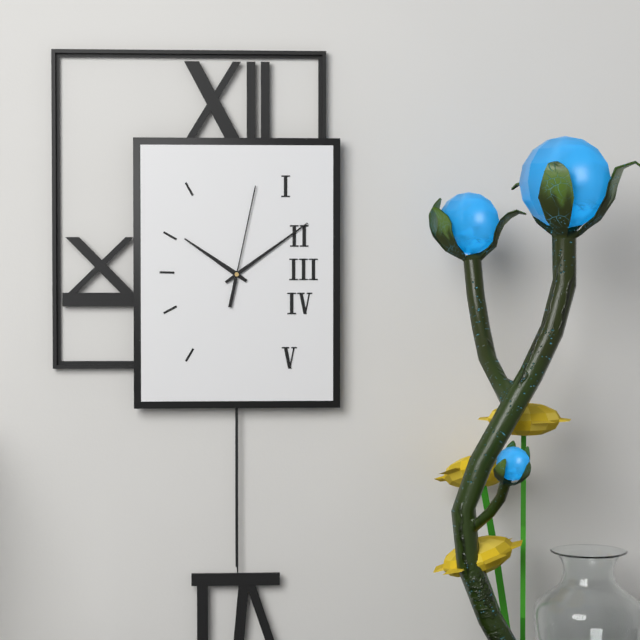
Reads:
h=10 m=9 s=2
